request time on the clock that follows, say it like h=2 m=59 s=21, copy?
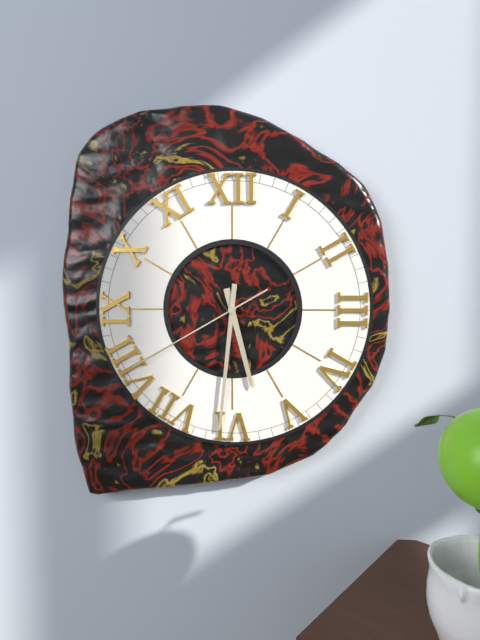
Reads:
h=5 m=31 s=40
